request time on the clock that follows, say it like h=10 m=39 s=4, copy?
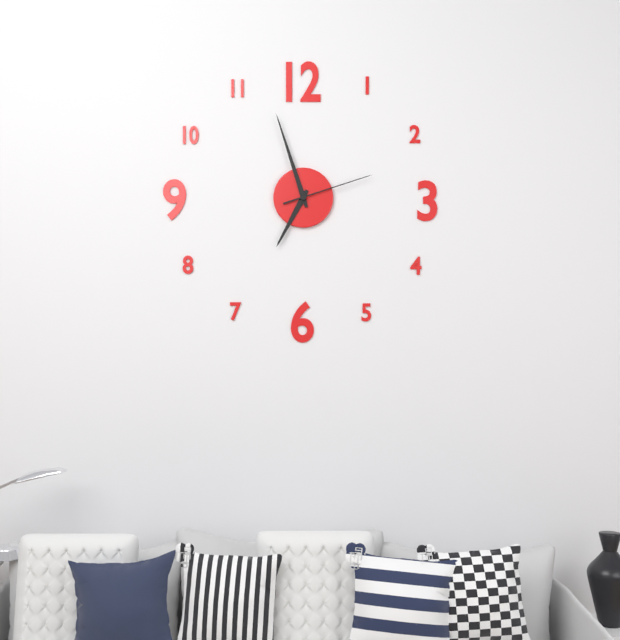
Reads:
h=6 m=57 s=12
